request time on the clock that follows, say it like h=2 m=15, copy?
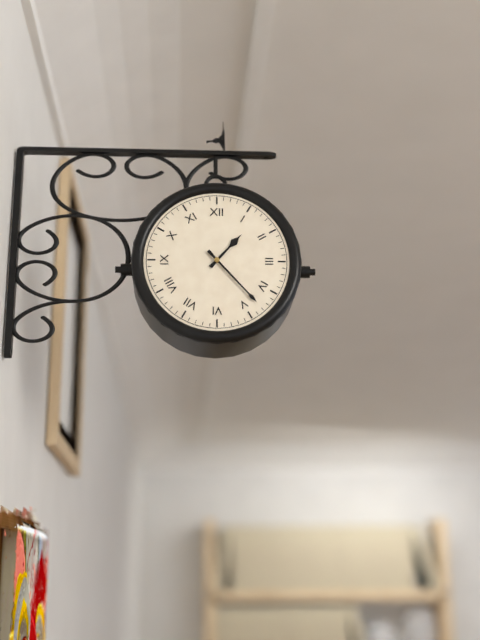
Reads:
h=1 m=23
